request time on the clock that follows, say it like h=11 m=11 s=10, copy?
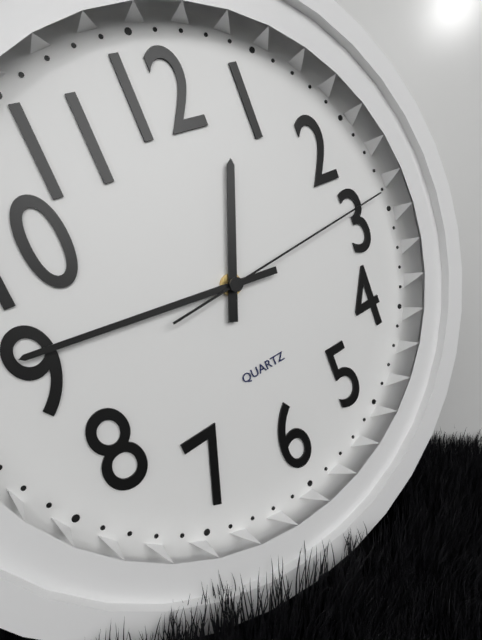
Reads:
h=12 m=46 s=14
